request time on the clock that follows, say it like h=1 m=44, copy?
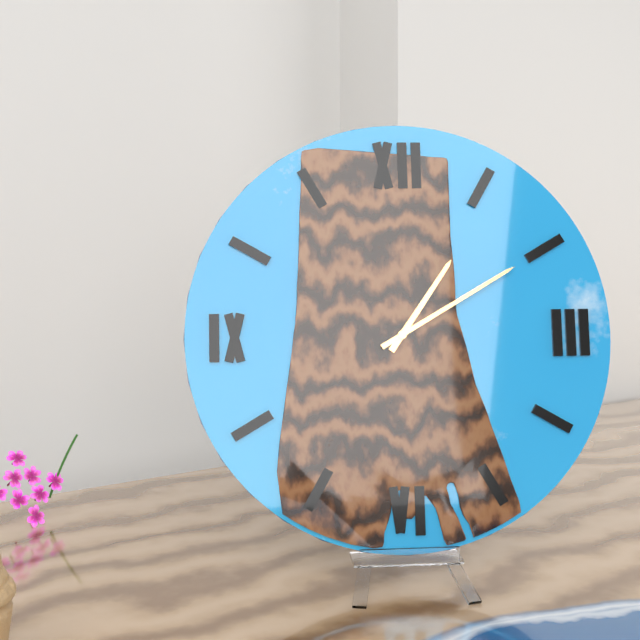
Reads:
h=1 m=10
